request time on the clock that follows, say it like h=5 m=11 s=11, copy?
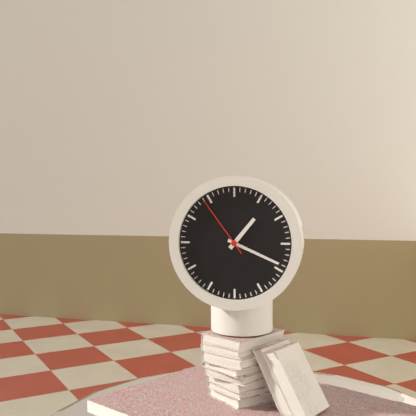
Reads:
h=1 m=19 s=54
